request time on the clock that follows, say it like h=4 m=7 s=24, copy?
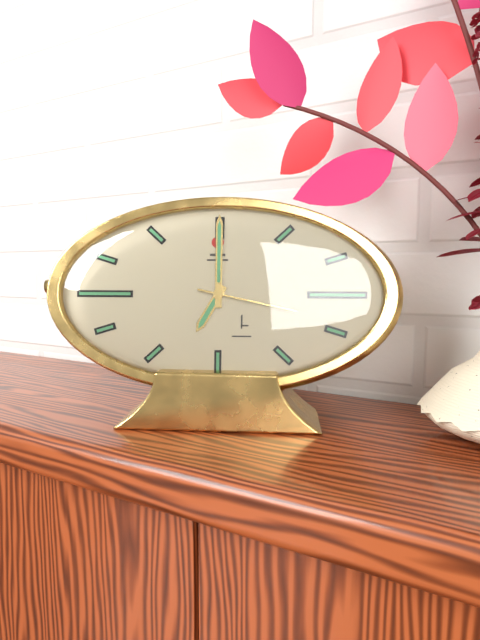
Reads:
h=7 m=0 s=17
